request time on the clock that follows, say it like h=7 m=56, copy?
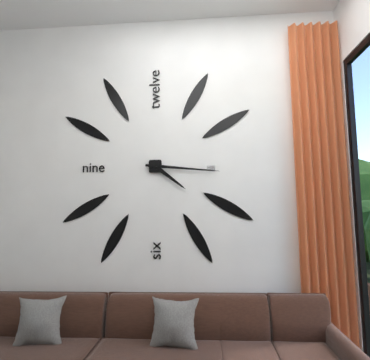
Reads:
h=4 m=16
